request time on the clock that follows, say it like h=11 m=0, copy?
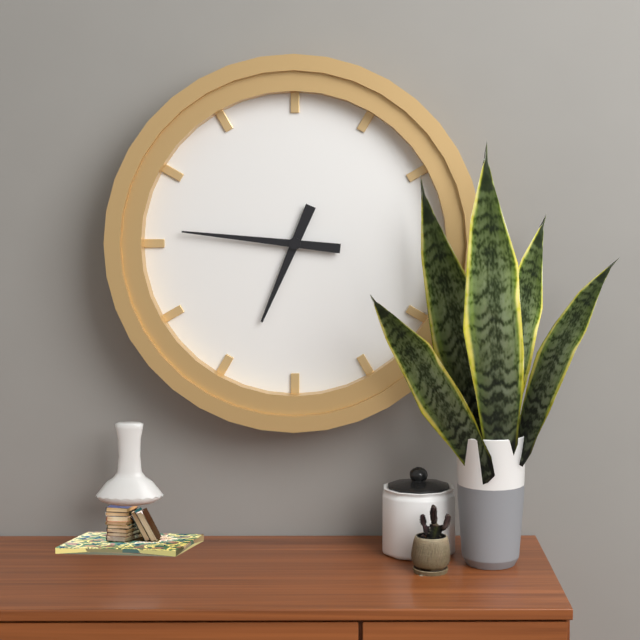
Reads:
h=6 m=46
